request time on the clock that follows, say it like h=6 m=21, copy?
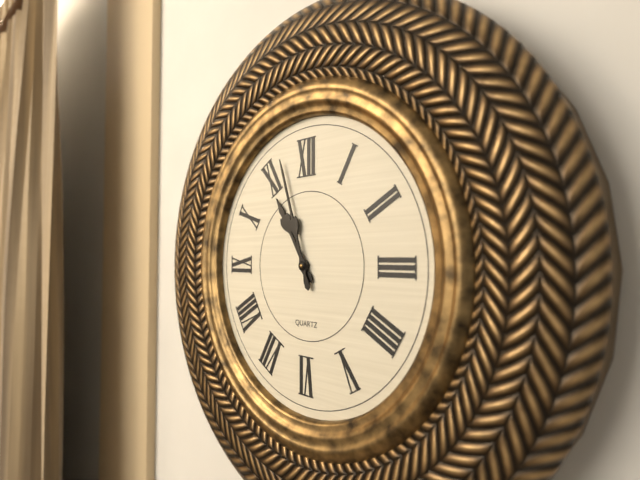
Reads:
h=10 m=57
